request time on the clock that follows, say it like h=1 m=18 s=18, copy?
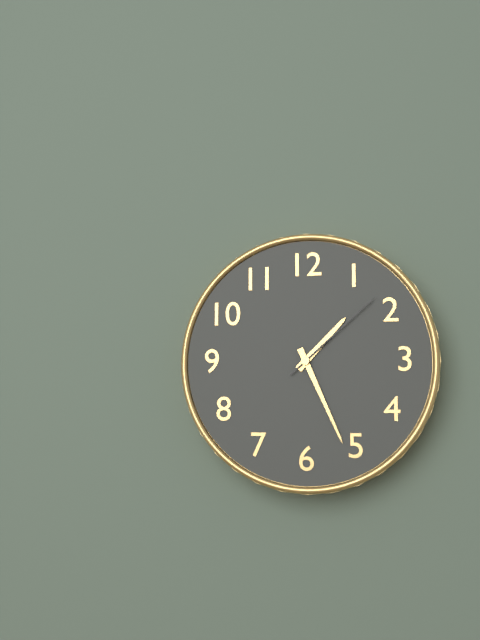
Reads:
h=1 m=26 s=8
